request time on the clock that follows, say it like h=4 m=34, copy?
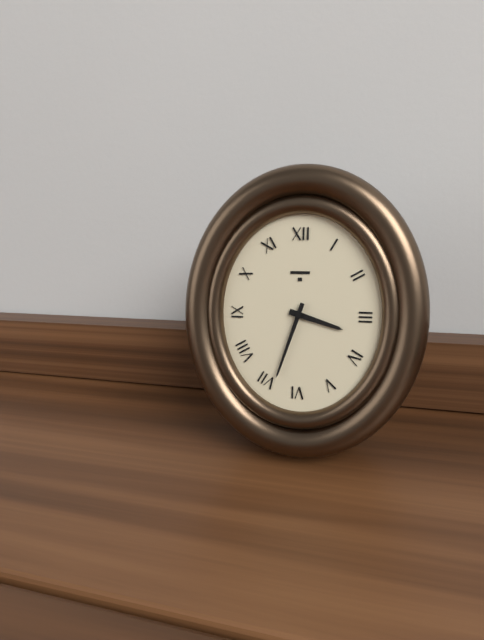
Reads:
h=3 m=33
